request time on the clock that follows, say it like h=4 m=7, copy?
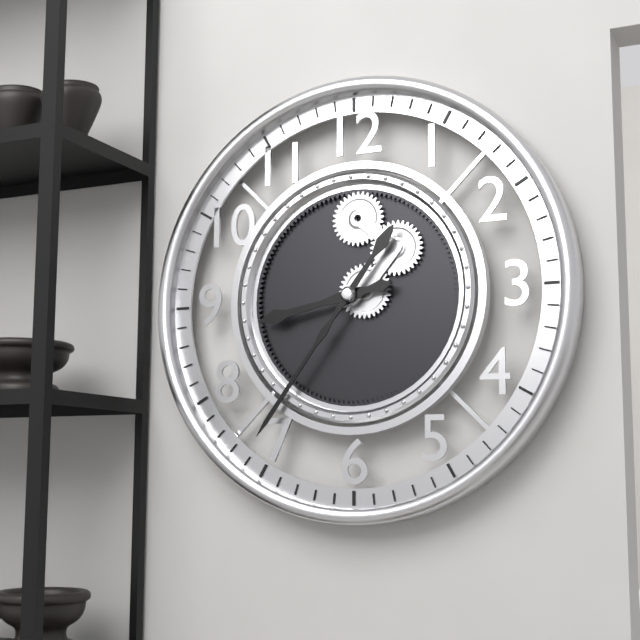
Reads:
h=8 m=36
